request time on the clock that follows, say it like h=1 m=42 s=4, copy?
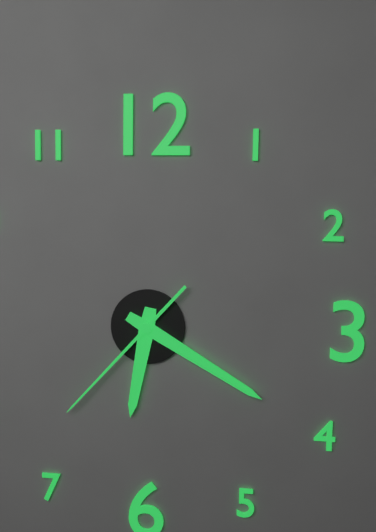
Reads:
h=6 m=20 s=37
